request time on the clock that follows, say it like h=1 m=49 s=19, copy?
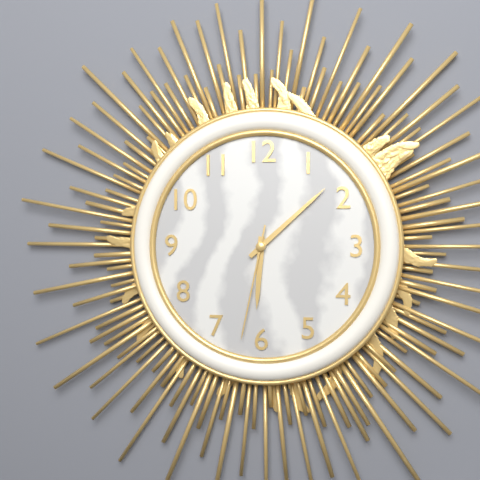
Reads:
h=6 m=8 s=32
